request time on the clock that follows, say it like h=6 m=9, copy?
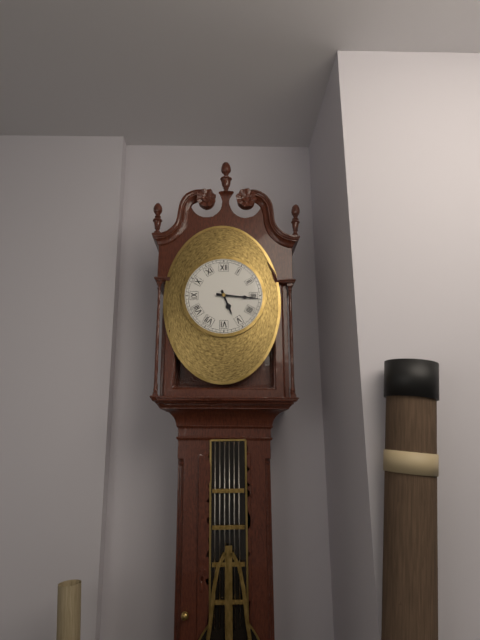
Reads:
h=5 m=16
